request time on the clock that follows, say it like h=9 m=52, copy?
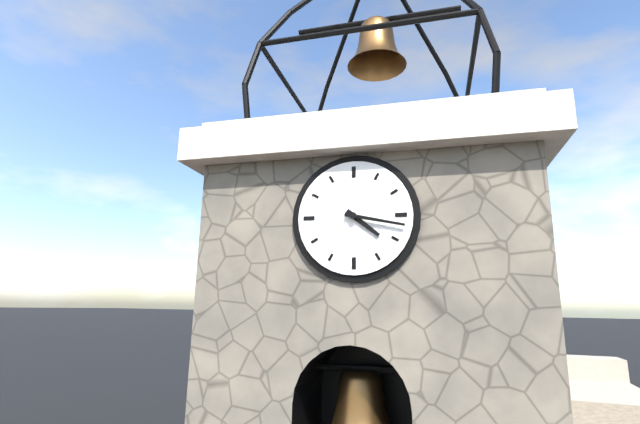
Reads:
h=4 m=17
